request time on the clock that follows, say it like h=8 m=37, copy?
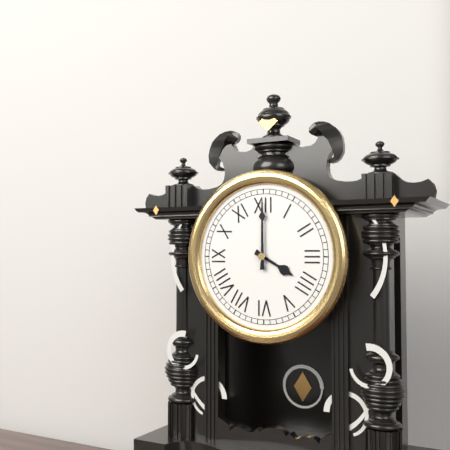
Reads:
h=4 m=0
